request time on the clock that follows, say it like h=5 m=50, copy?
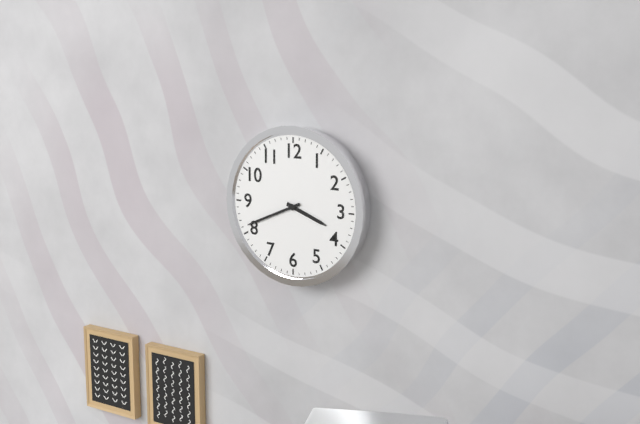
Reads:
h=3 m=41
